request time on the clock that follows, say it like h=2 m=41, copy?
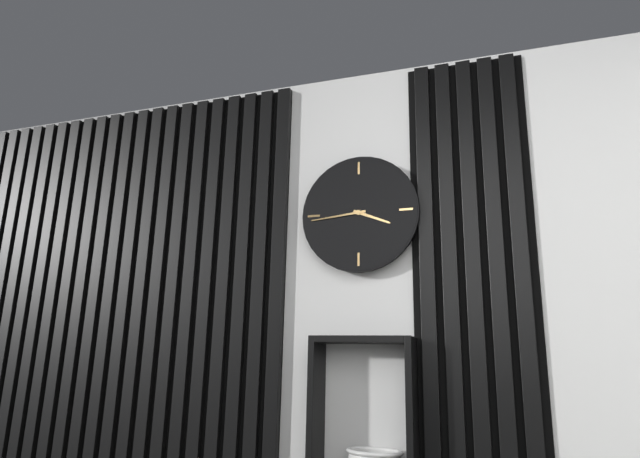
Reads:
h=3 m=44
